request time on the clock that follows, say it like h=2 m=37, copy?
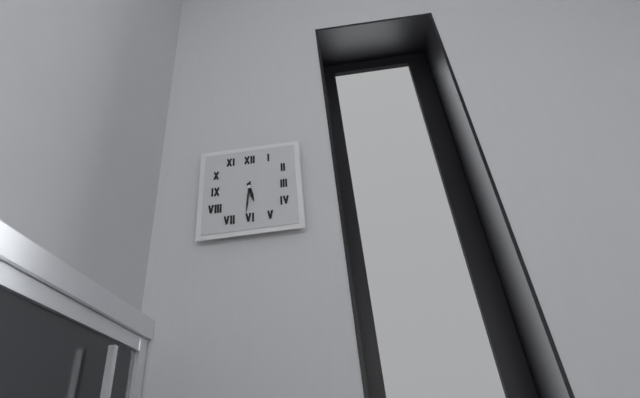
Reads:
h=5 m=31
